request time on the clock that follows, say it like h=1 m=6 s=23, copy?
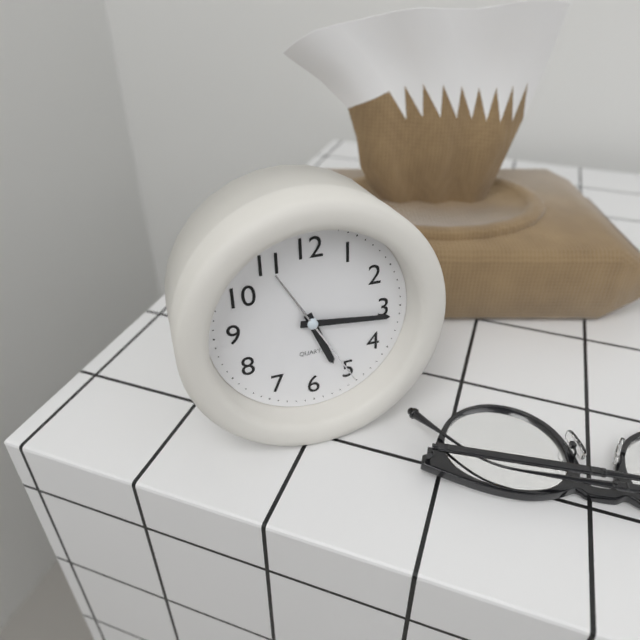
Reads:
h=5 m=16 s=25
